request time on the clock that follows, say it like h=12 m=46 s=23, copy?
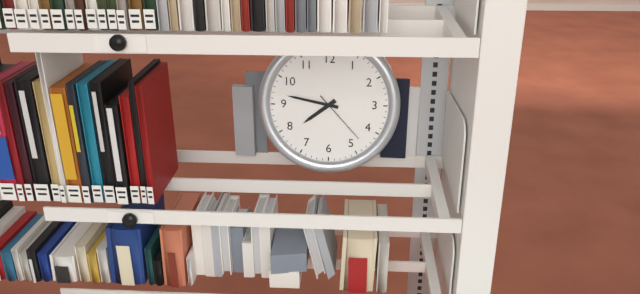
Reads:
h=7 m=47 s=23
